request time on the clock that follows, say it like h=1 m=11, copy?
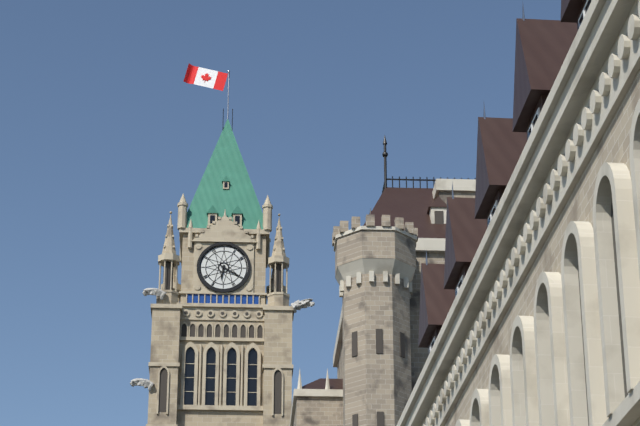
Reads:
h=6 m=20
